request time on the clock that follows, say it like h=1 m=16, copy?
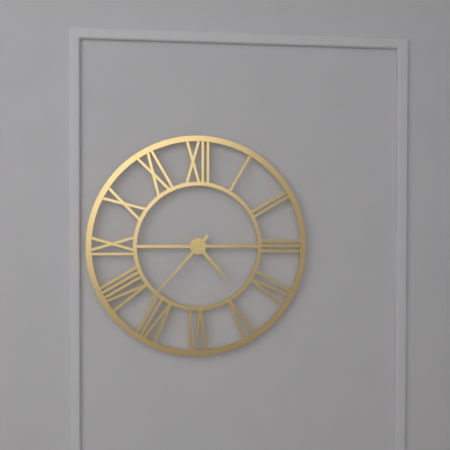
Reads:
h=4 m=37
